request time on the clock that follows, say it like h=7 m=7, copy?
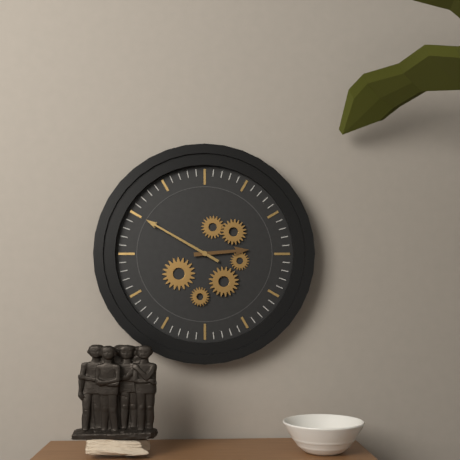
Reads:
h=2 m=50
